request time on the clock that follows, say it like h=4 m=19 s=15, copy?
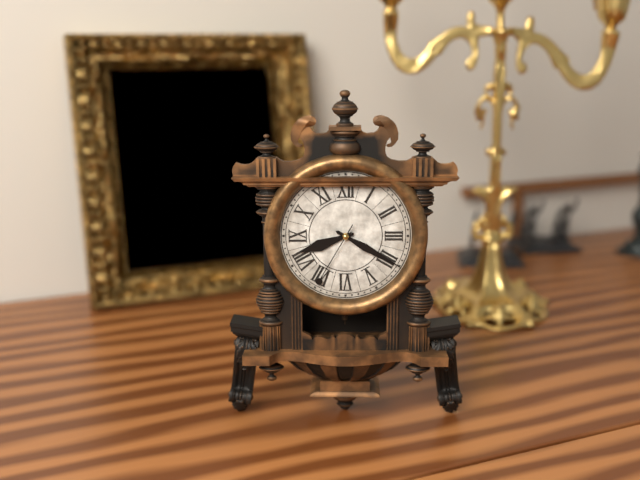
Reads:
h=8 m=20 s=35
